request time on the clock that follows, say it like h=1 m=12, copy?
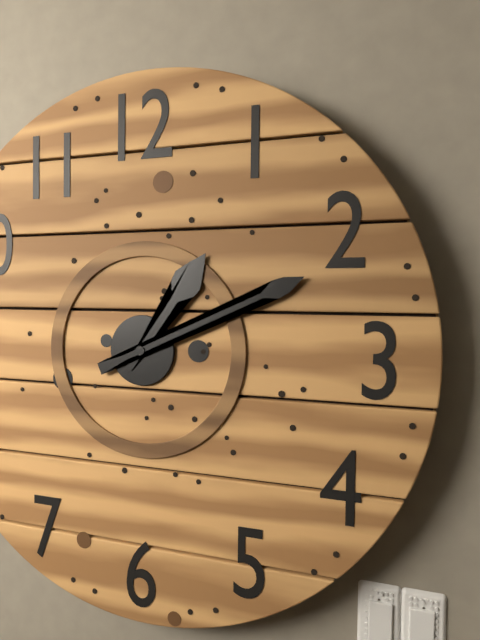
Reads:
h=1 m=11
